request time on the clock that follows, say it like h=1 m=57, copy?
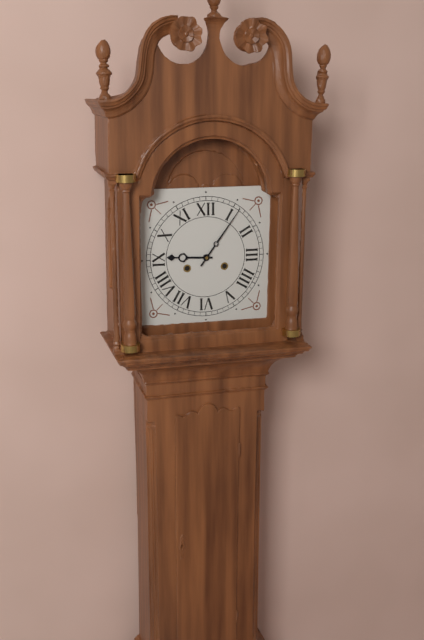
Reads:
h=9 m=6
